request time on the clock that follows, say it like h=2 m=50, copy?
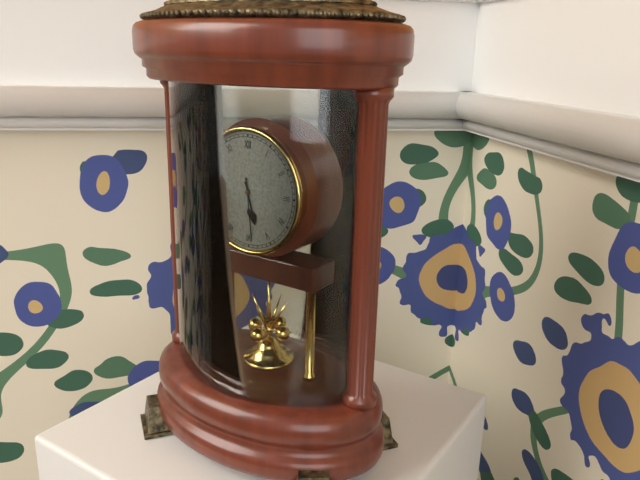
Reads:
h=5 m=29
